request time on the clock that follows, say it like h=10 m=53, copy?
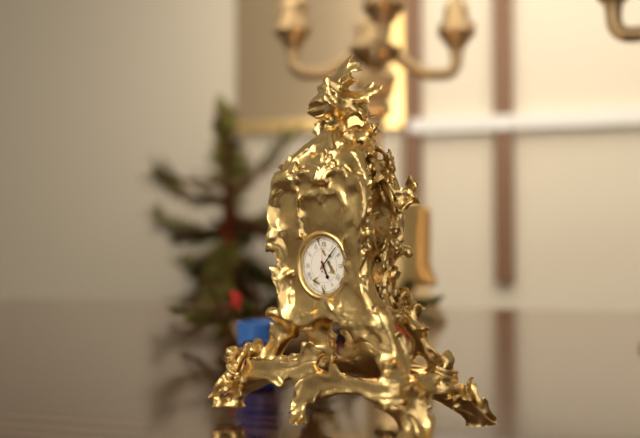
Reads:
h=5 m=7
